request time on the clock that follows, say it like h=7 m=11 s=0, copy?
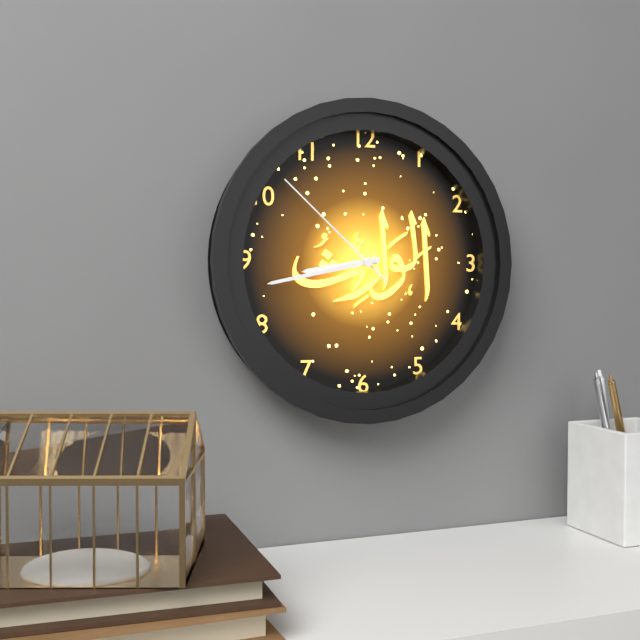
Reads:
h=8 m=43 s=52
